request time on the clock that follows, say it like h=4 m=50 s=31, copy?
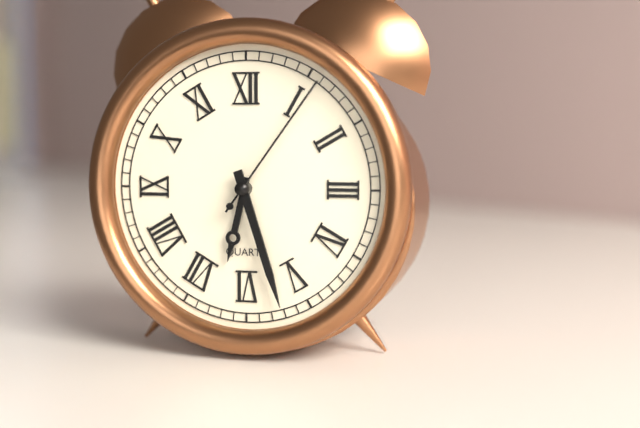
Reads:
h=6 m=27 s=6
